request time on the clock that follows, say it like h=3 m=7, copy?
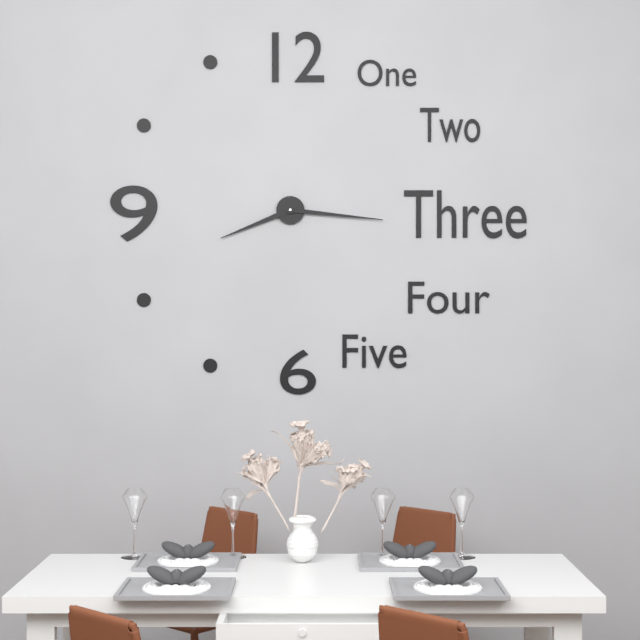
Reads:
h=8 m=16
